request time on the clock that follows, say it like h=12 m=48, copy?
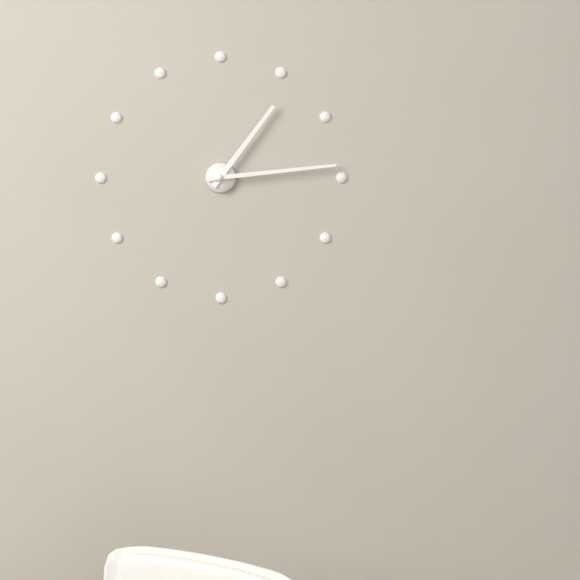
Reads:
h=1 m=14
